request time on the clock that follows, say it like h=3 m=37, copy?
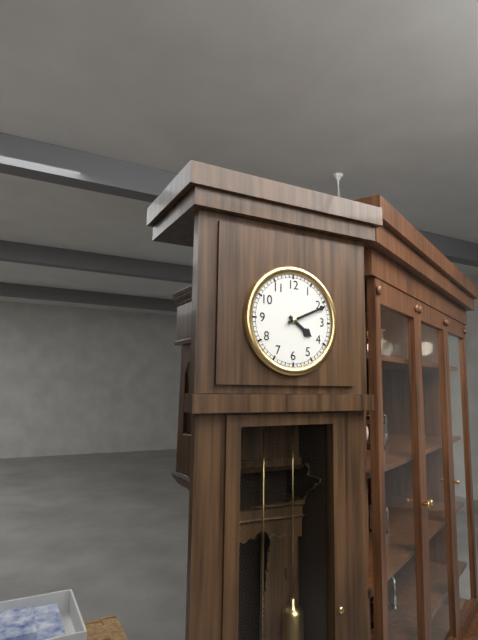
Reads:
h=4 m=11
